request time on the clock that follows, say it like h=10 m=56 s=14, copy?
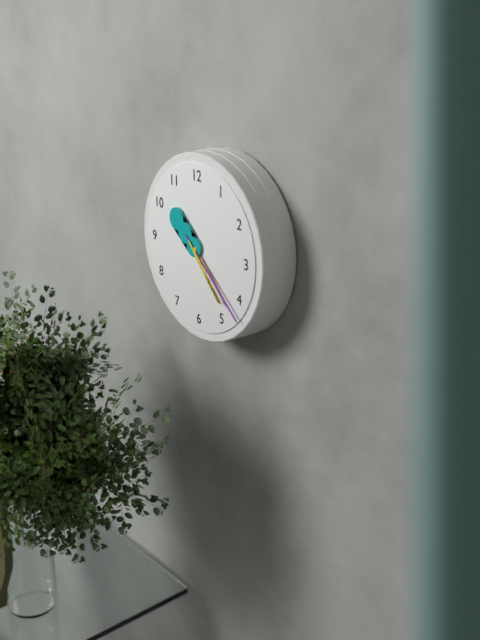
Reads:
h=10 m=22 s=23
